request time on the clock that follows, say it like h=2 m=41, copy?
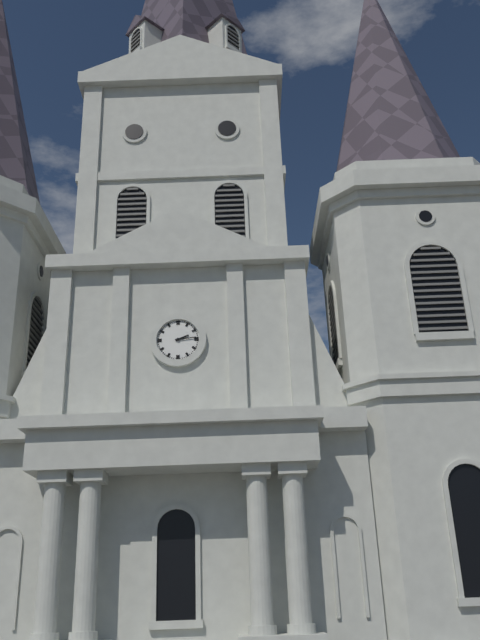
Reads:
h=2 m=14
